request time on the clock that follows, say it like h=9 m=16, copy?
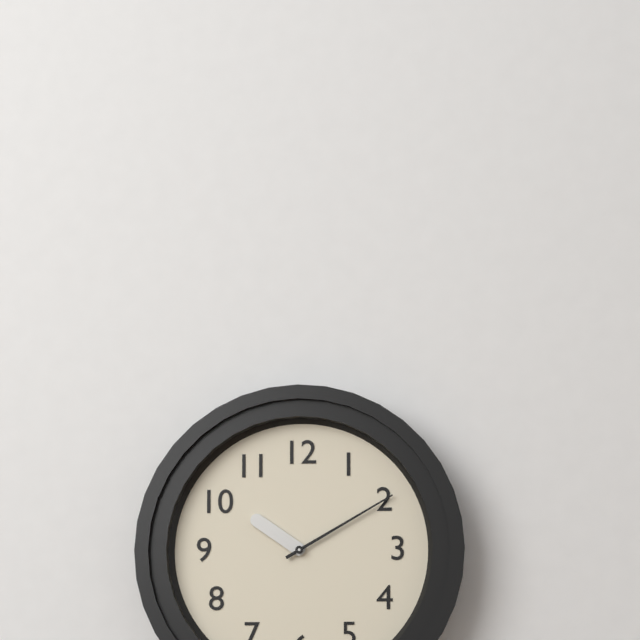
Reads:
h=10 m=10
